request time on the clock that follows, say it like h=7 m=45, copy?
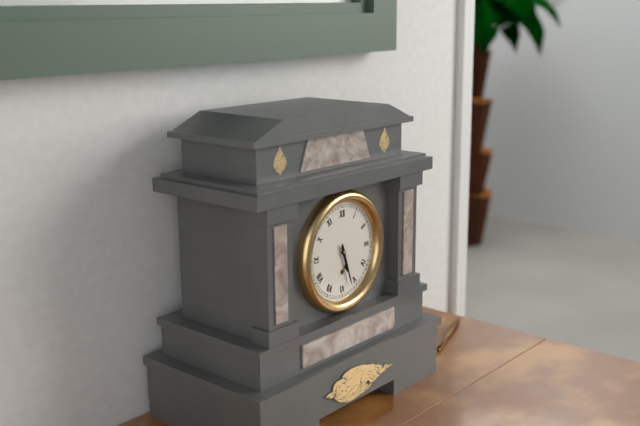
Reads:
h=5 m=27
